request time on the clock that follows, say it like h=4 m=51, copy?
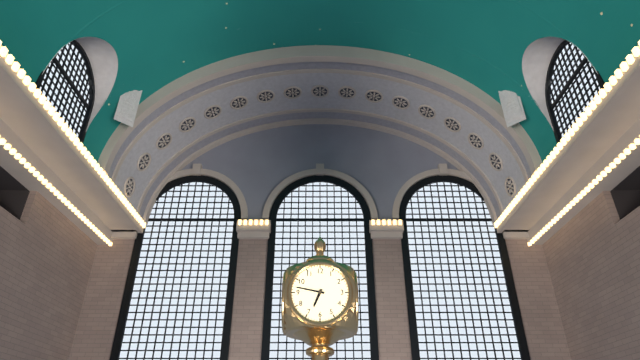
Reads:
h=6 m=47
